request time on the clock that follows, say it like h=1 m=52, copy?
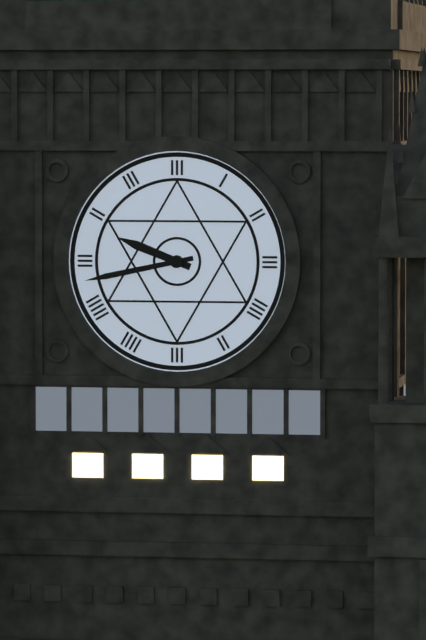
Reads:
h=9 m=43
